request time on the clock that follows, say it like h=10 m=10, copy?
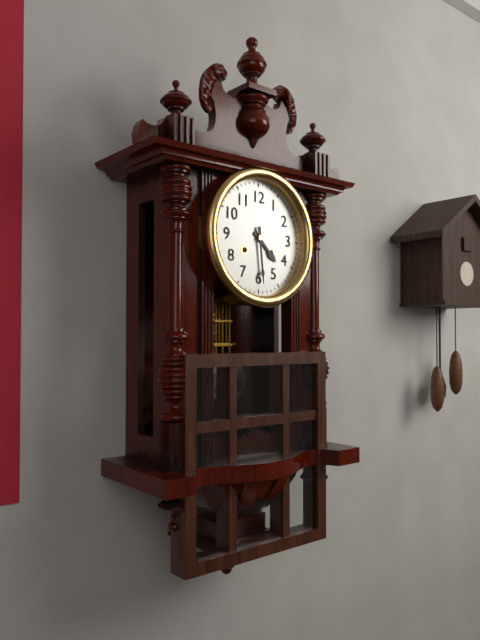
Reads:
h=4 m=29
